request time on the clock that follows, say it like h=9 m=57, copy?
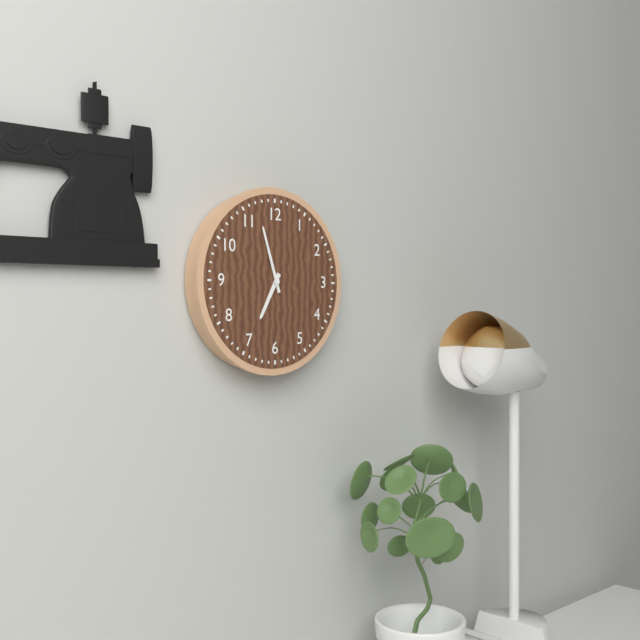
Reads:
h=6 m=57
